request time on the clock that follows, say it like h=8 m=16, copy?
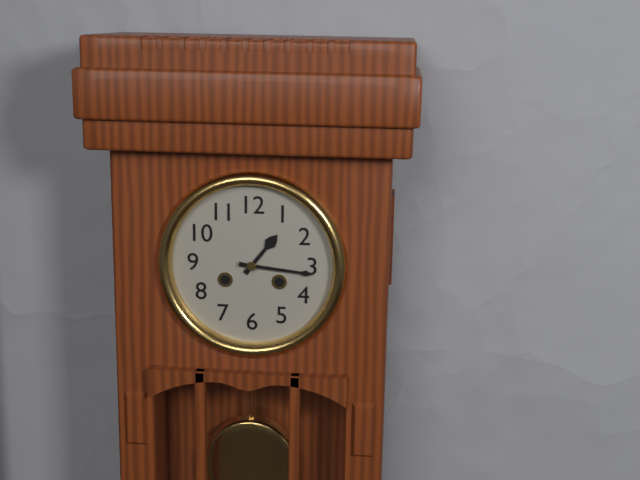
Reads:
h=1 m=16
